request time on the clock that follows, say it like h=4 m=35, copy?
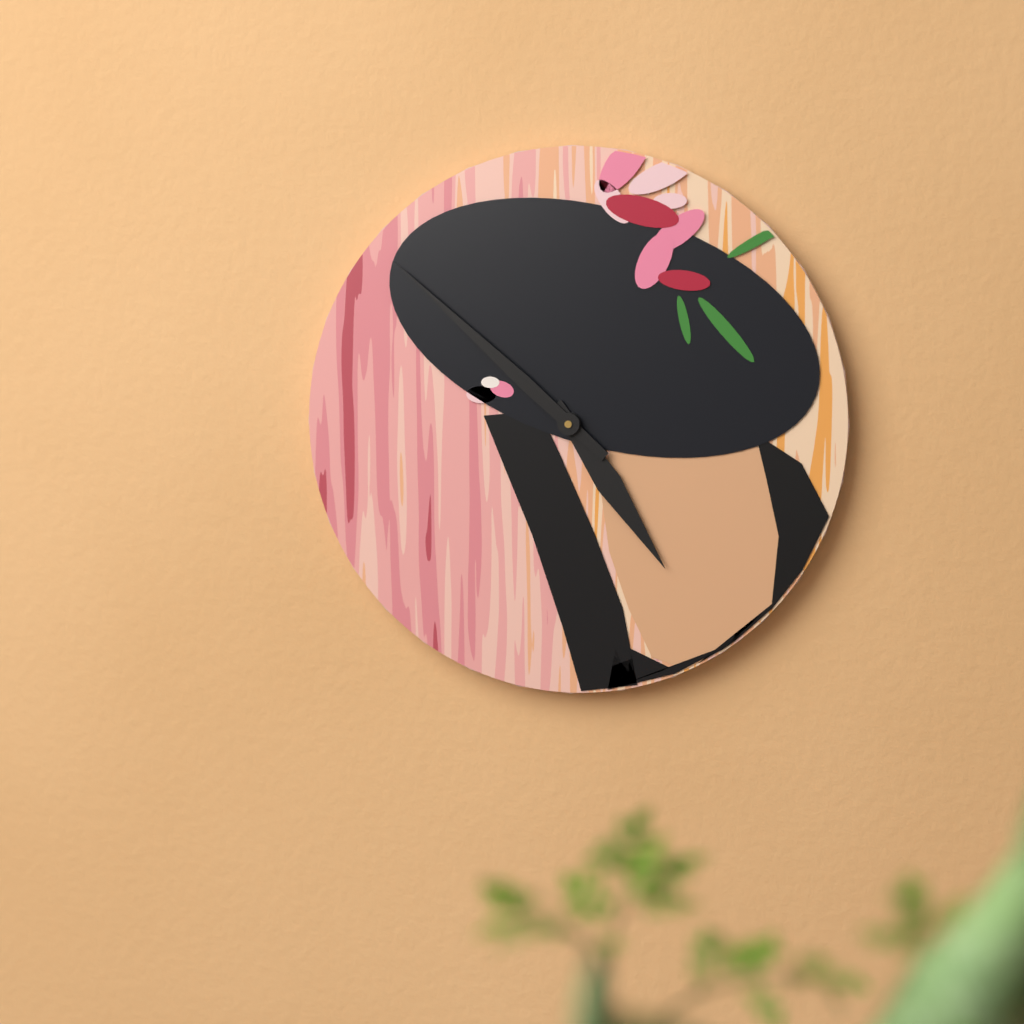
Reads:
h=4 m=52
